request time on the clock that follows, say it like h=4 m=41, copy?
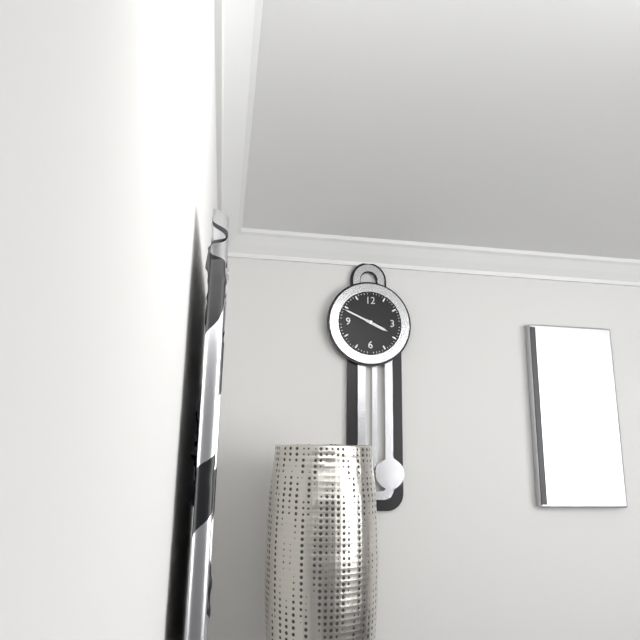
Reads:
h=3 m=49
